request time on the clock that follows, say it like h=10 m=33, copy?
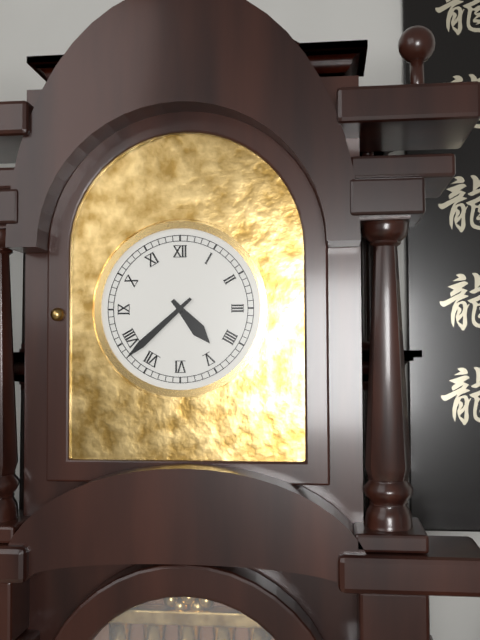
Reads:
h=4 m=38
